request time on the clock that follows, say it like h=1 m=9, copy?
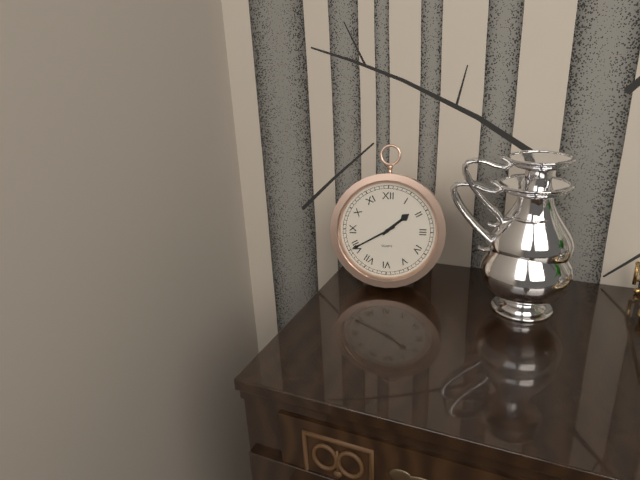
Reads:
h=1 m=40
